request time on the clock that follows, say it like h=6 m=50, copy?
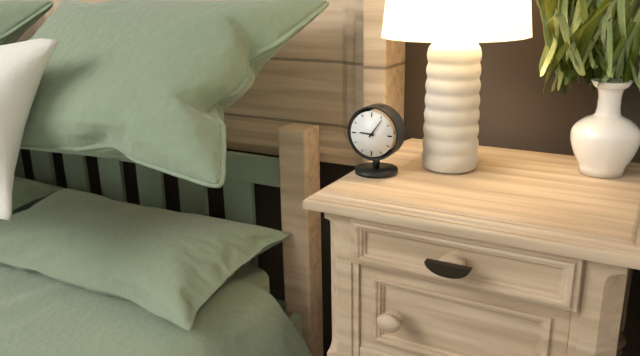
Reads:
h=9 m=6
